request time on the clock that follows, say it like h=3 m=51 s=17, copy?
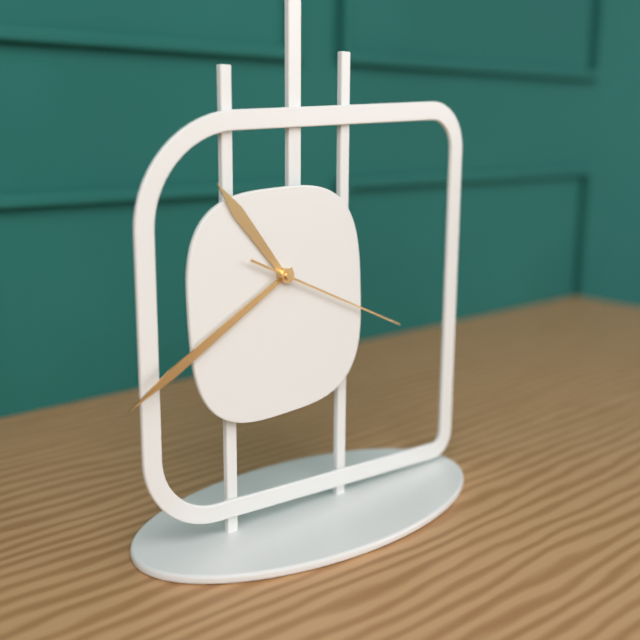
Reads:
h=10 m=40 s=19
